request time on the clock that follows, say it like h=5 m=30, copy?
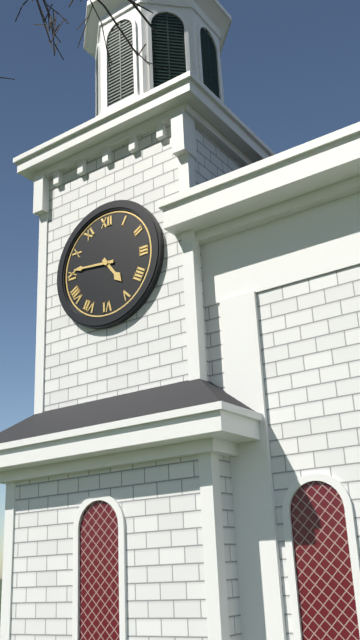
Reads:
h=4 m=46
